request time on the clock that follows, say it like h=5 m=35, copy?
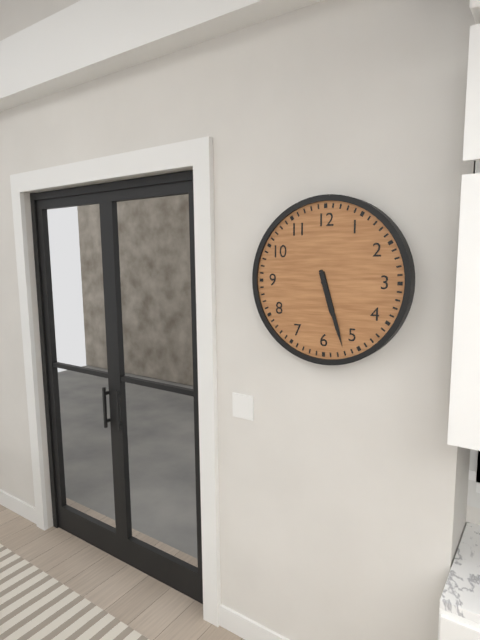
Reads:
h=5 m=27
